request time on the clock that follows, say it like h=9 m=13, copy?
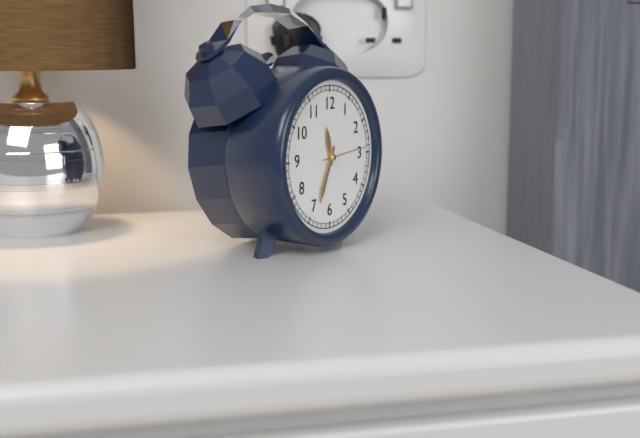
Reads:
h=11 m=34
